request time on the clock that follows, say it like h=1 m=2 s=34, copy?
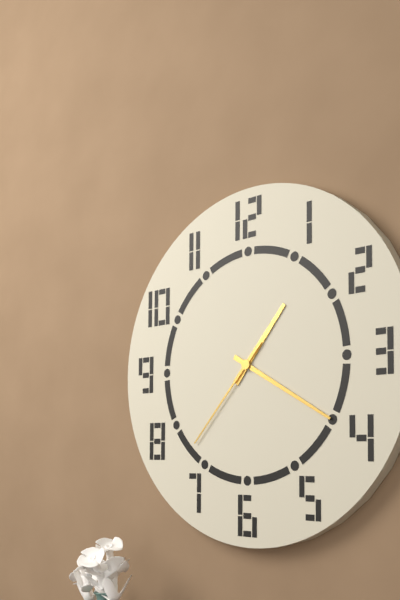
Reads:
h=1 m=20 s=37
